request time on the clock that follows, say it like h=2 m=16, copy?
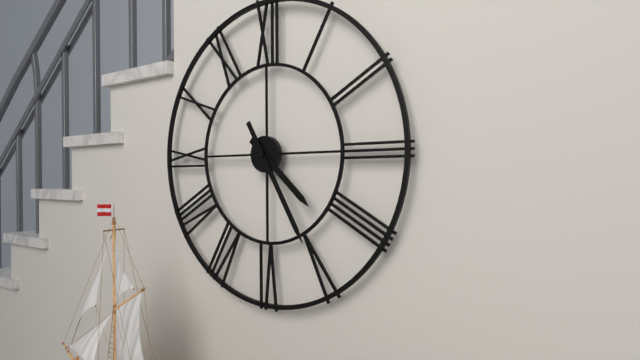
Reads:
h=4 m=25
